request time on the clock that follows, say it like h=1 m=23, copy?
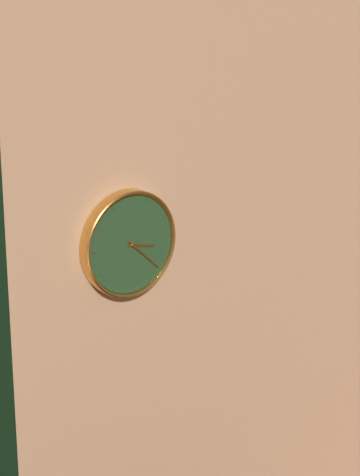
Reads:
h=3 m=22
